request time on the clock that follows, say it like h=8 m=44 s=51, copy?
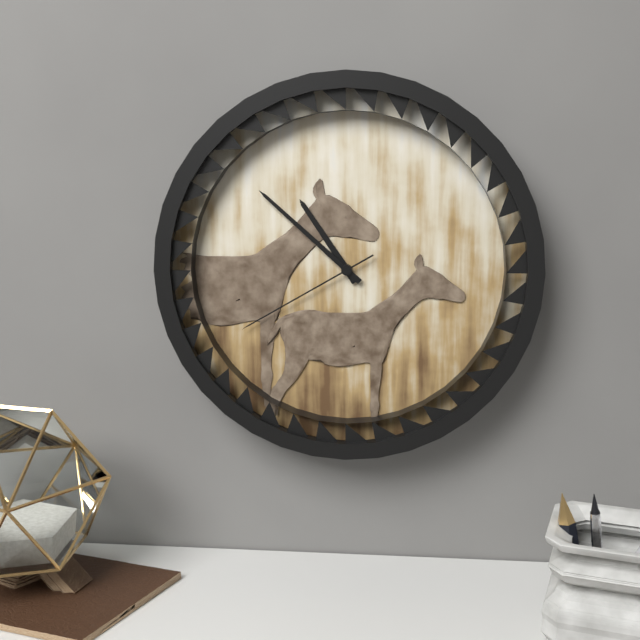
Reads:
h=10 m=52 s=40
